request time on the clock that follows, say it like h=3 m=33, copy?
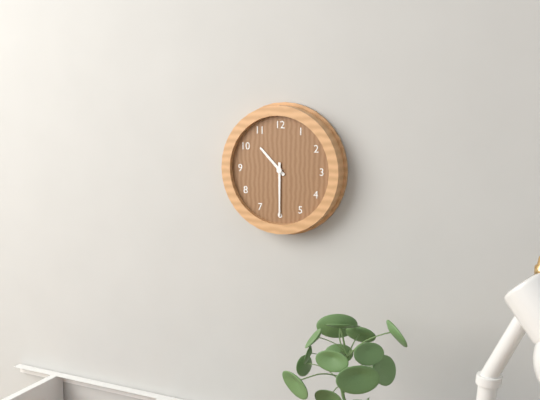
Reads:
h=10 m=30
